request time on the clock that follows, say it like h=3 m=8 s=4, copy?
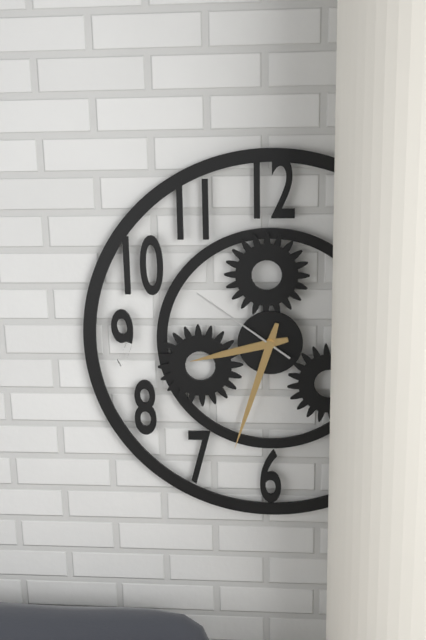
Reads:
h=8 m=33 s=51
